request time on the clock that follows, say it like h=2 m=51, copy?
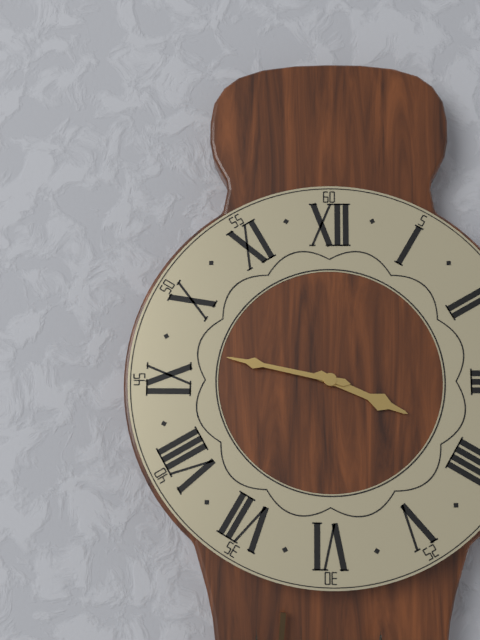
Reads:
h=3 m=47
